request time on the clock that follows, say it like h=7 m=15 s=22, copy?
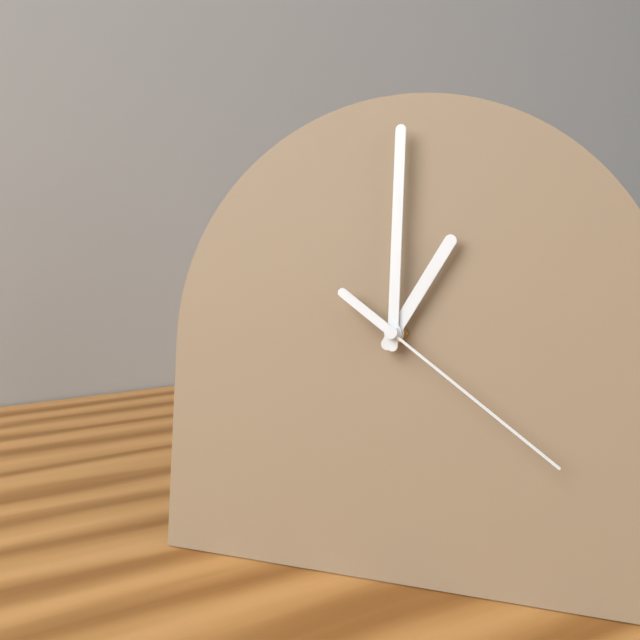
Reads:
h=1 m=0 s=21
